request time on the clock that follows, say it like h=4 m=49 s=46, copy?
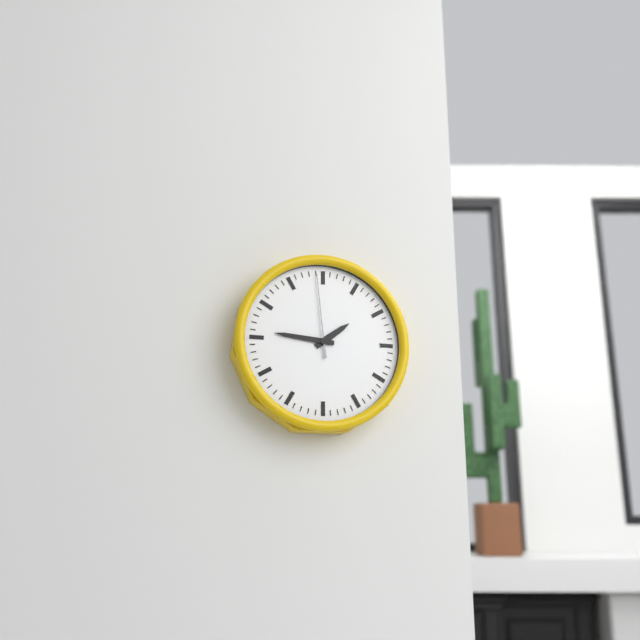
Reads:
h=1 m=46 s=59
